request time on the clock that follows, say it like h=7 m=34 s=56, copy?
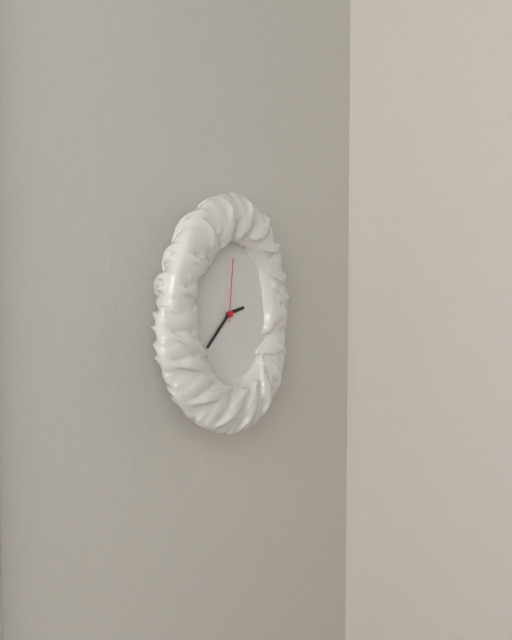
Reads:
h=2 m=38 s=1
